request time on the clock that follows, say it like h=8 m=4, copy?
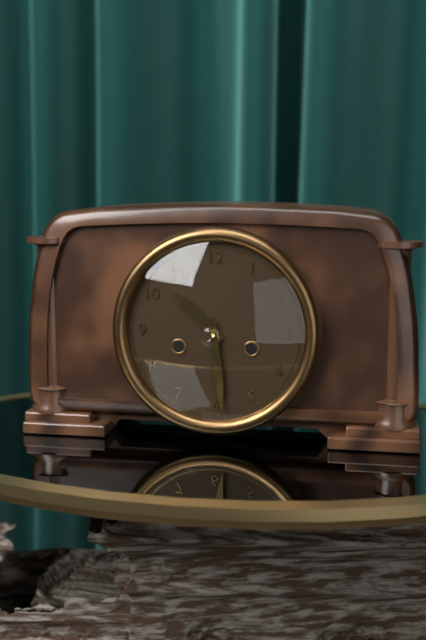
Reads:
h=10 m=29
